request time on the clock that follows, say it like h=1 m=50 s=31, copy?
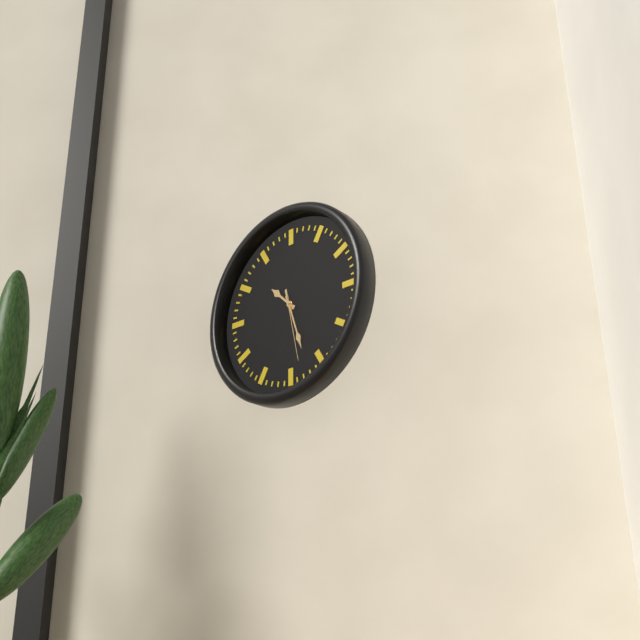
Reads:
h=10 m=27 s=28
